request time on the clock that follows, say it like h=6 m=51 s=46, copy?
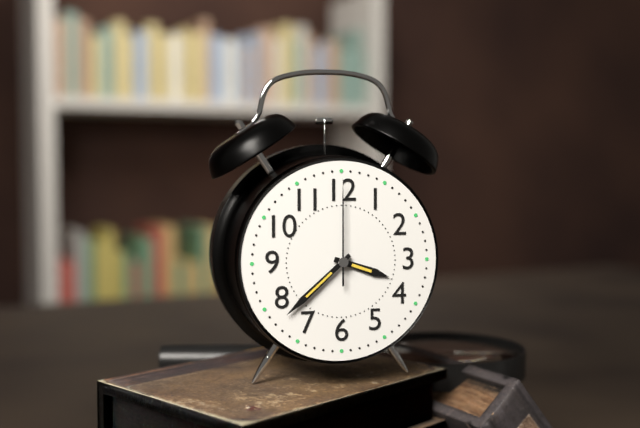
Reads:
h=3 m=38 s=0
